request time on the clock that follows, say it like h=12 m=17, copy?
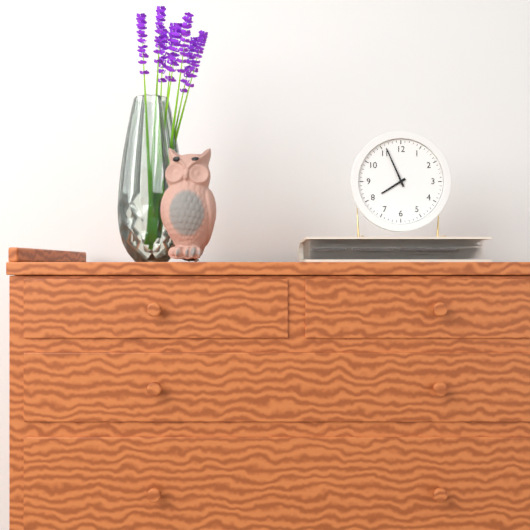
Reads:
h=7 m=56
